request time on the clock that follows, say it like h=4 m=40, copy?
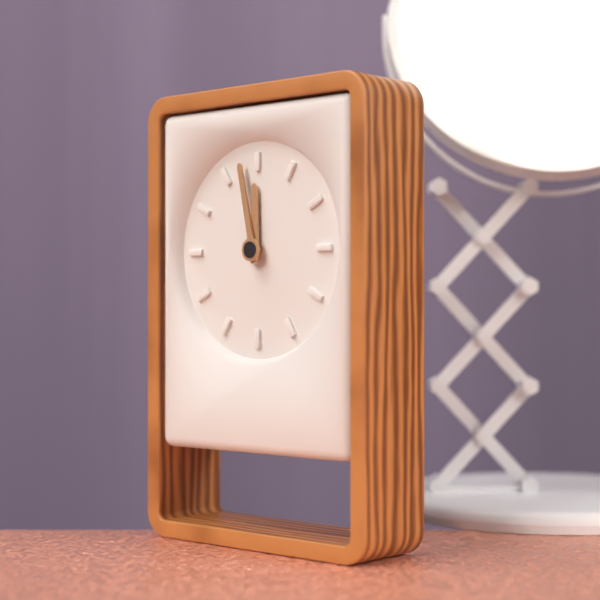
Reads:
h=11 m=58
